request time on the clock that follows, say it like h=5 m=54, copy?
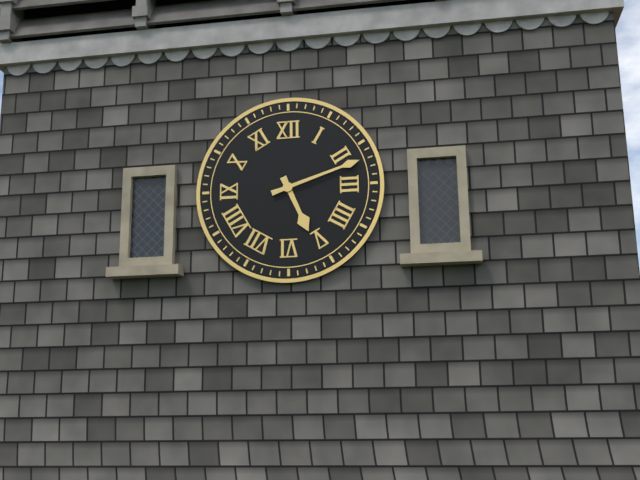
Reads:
h=5 m=12
